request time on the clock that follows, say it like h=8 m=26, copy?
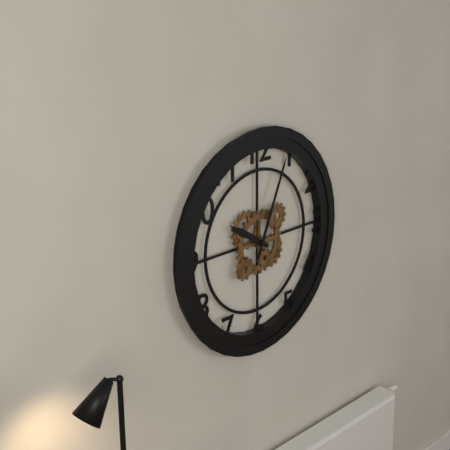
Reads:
h=10 m=4
